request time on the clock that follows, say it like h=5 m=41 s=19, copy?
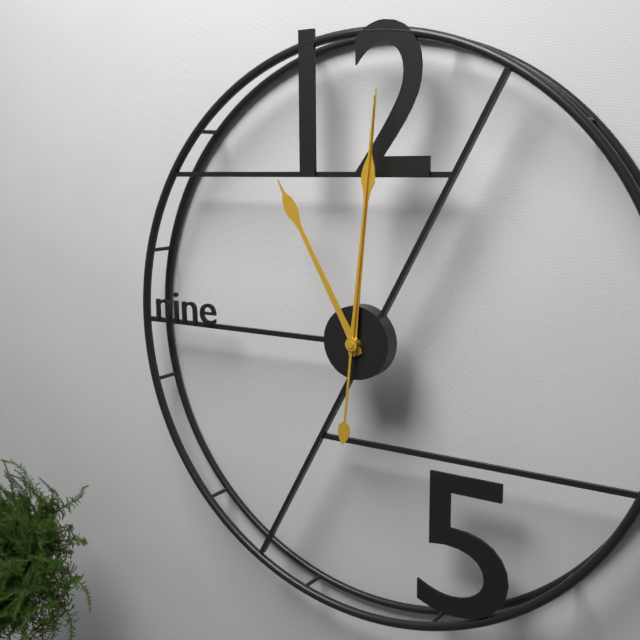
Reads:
h=11 m=1 s=1
